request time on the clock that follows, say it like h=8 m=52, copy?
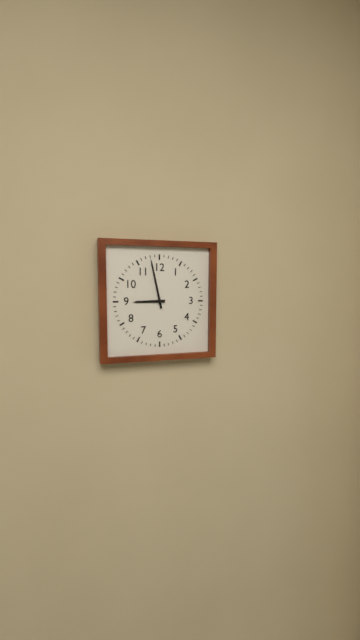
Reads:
h=8 m=58
